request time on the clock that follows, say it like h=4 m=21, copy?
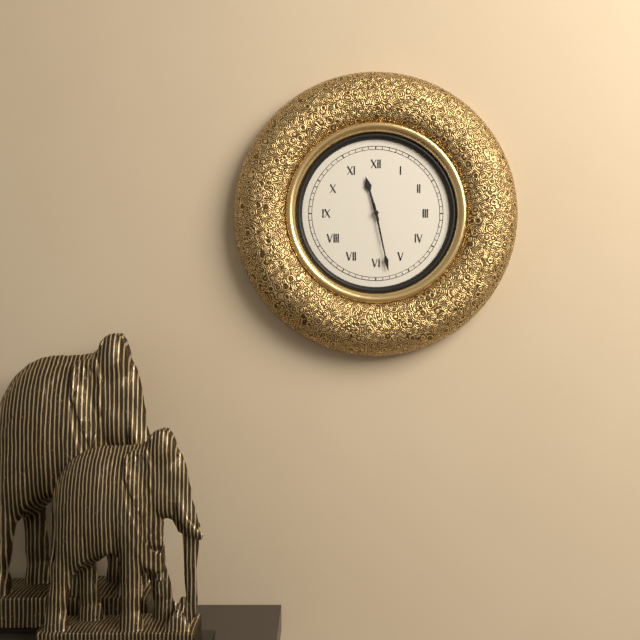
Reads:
h=11 m=28
